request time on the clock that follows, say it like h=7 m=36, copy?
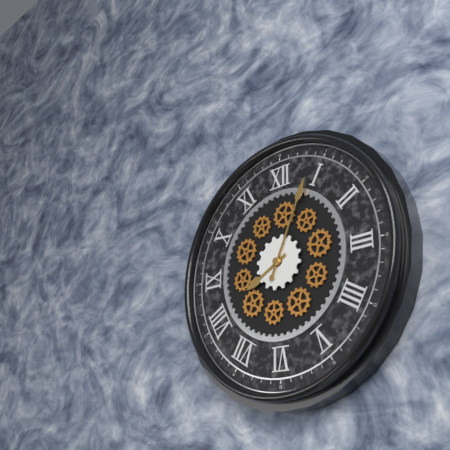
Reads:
h=8 m=4
